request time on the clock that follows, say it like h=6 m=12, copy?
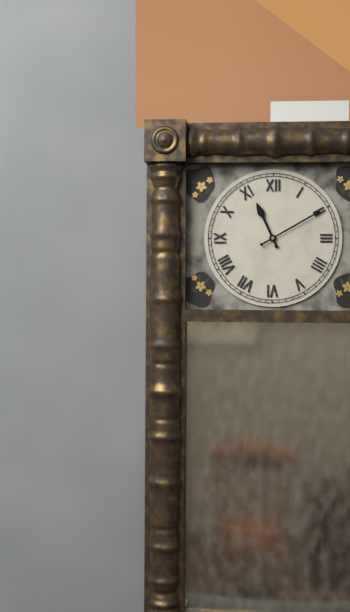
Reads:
h=11 m=10
